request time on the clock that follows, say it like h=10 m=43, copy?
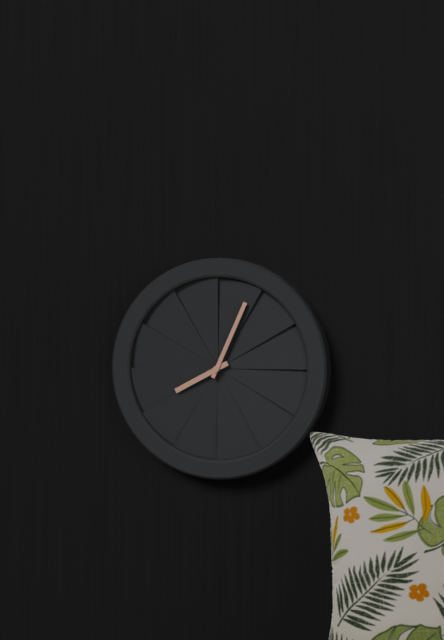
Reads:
h=8 m=4
